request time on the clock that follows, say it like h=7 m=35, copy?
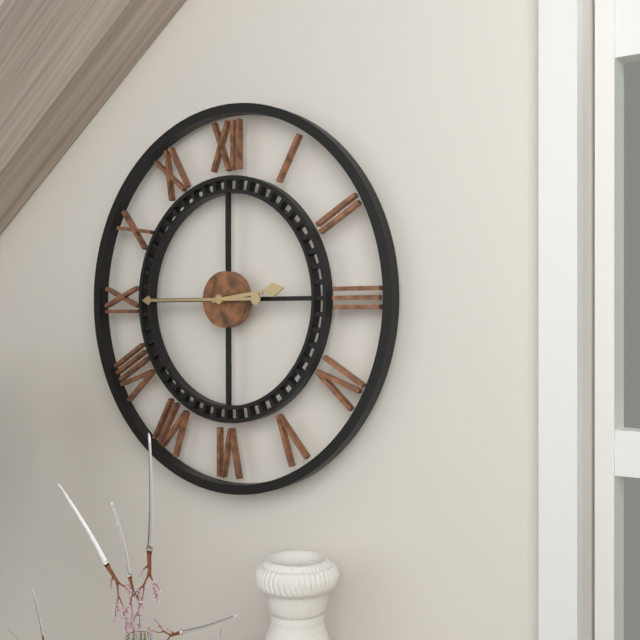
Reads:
h=2 m=45
